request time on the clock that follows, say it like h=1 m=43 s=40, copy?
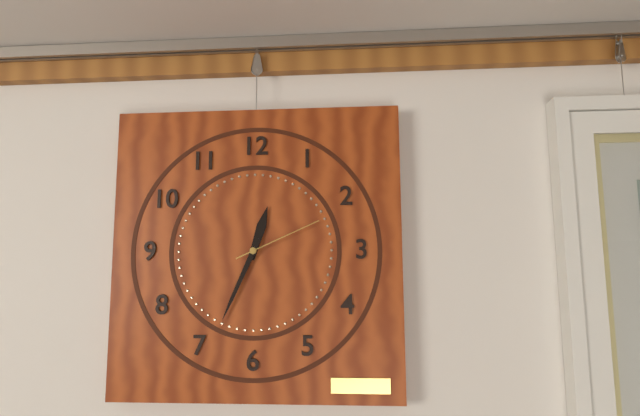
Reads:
h=12 m=34 s=11
